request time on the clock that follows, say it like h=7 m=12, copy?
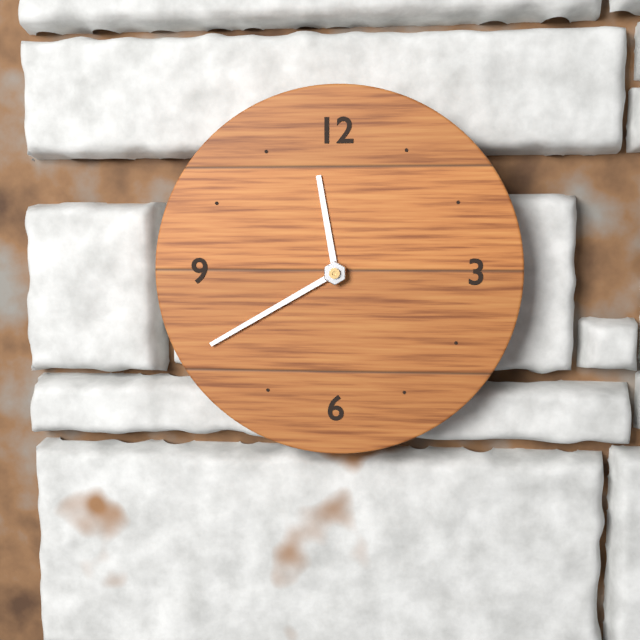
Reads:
h=11 m=40
